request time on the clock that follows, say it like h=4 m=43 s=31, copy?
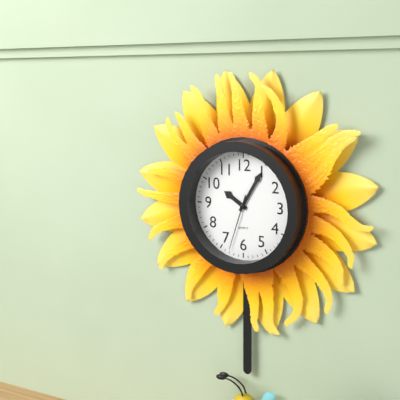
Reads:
h=10 m=5 s=33
